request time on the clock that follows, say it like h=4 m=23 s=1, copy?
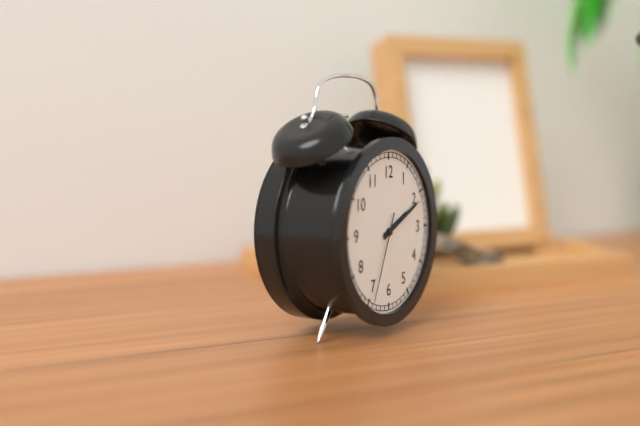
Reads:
h=2 m=11 s=34
